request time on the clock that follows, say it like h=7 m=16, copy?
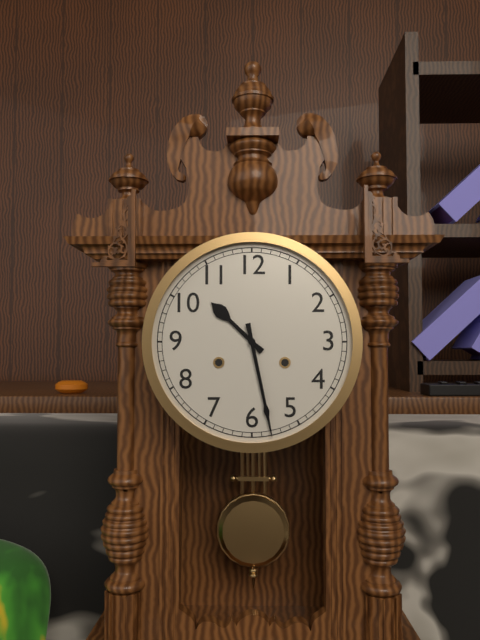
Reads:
h=10 m=28
